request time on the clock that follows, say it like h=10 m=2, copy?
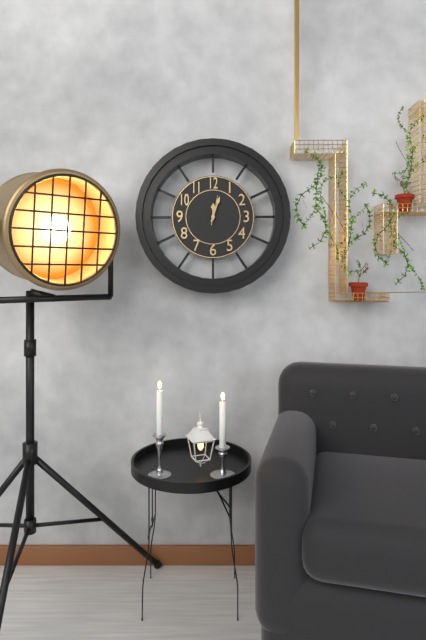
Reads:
h=12 m=3
